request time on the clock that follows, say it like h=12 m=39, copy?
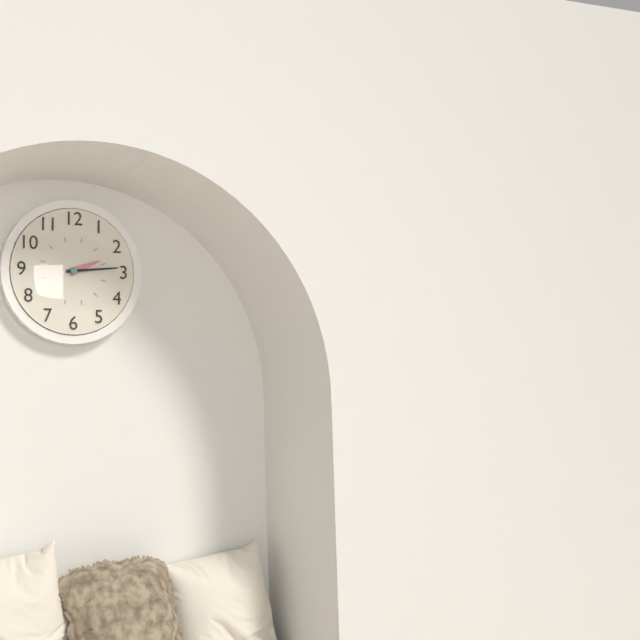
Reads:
h=2 m=14
